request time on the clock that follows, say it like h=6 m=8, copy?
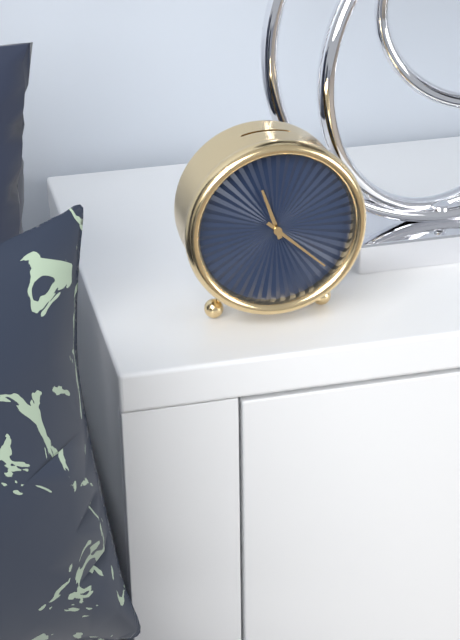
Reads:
h=11 m=22
